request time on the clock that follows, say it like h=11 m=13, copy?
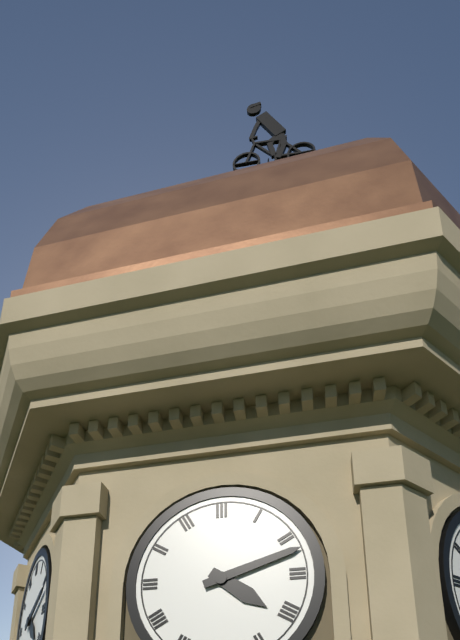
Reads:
h=4 m=12
